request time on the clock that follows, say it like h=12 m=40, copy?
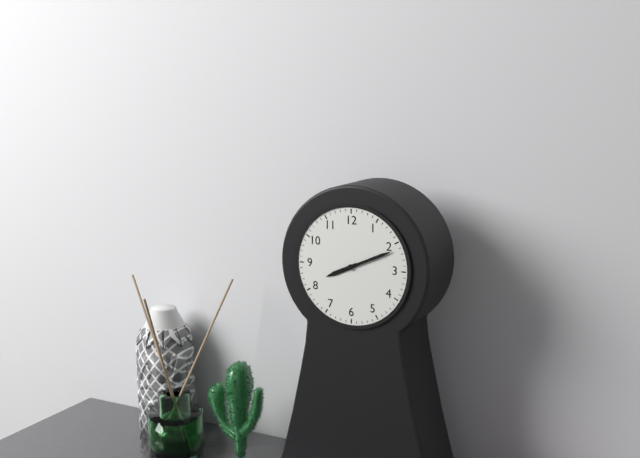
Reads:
h=8 m=11
